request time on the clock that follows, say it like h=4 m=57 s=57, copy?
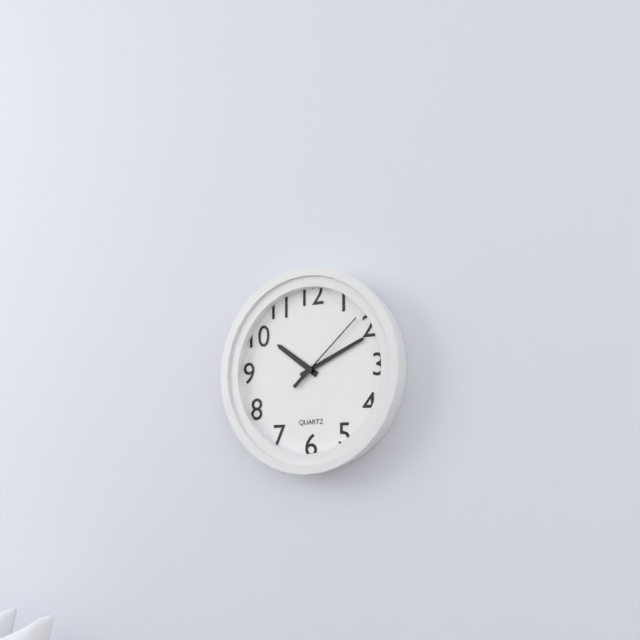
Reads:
h=10 m=11 s=8
